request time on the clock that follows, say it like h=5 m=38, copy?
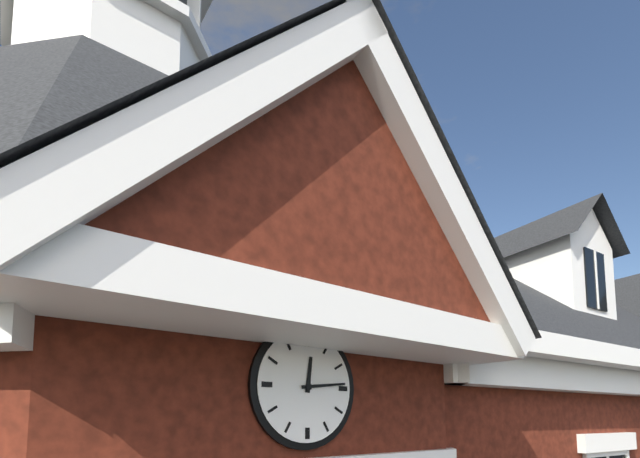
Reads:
h=12 m=14
